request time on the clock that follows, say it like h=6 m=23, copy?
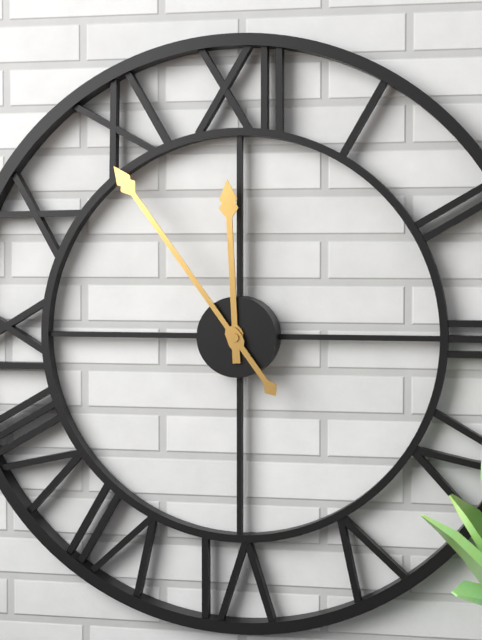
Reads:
h=11 m=54
